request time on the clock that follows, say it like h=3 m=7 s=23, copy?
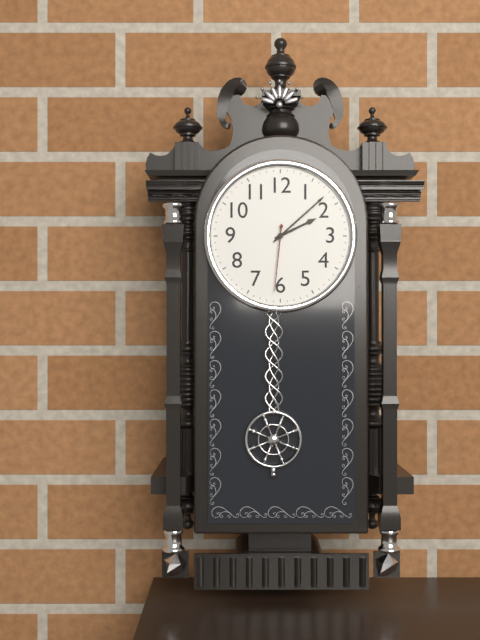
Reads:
h=2 m=8 s=31
